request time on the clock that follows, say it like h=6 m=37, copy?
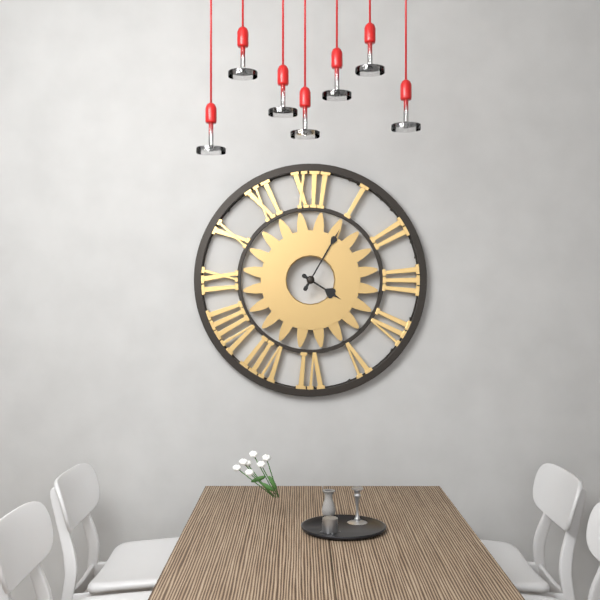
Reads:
h=4 m=5
